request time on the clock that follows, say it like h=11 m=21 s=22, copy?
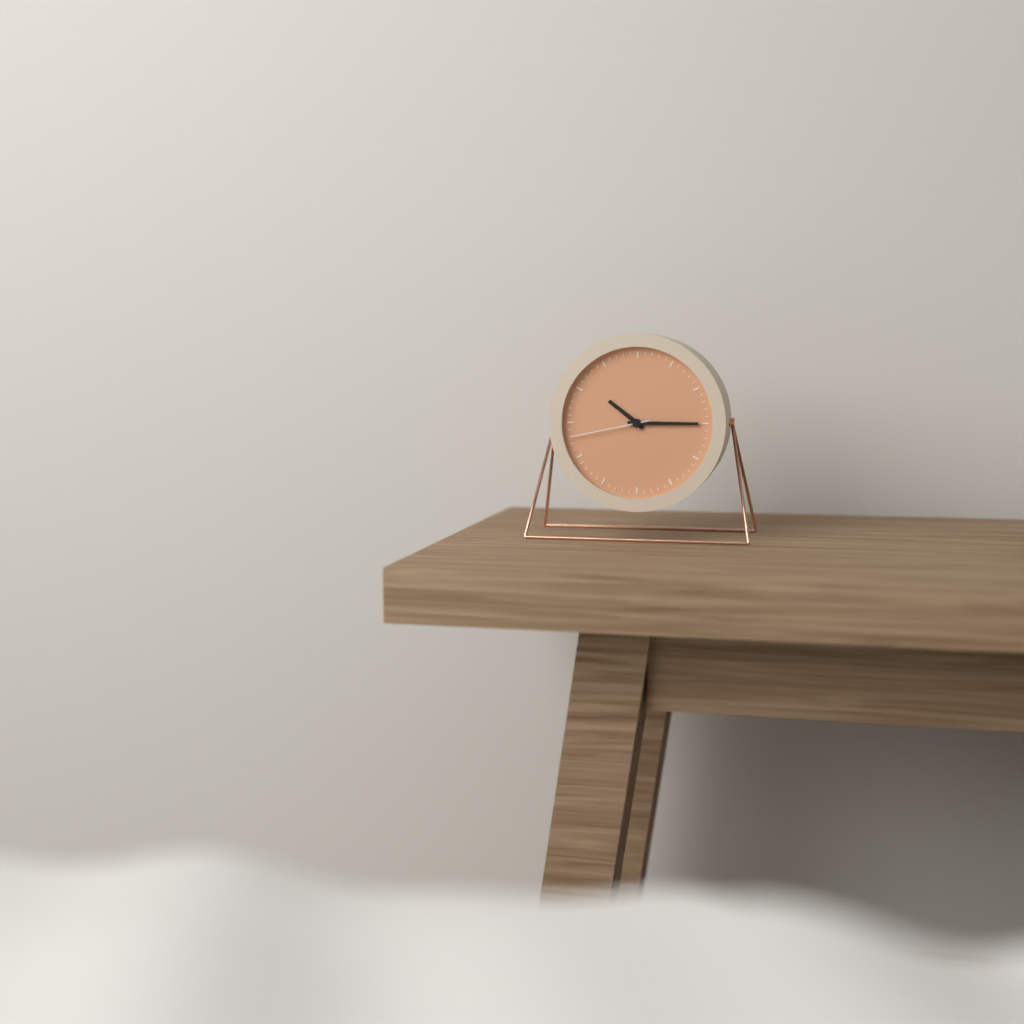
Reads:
h=10 m=15 s=43
